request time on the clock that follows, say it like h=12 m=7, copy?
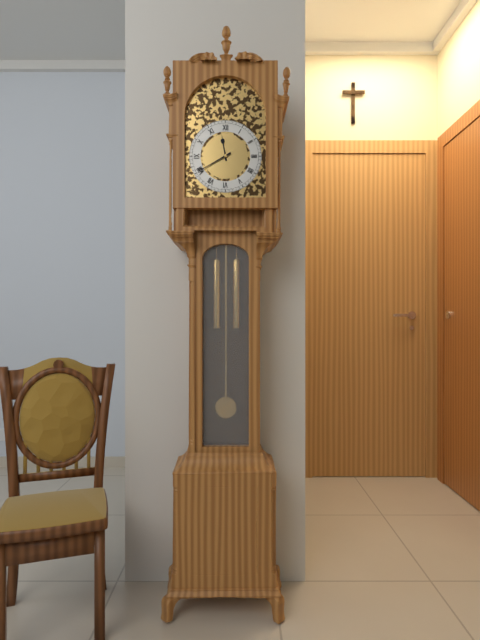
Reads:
h=11 m=40
